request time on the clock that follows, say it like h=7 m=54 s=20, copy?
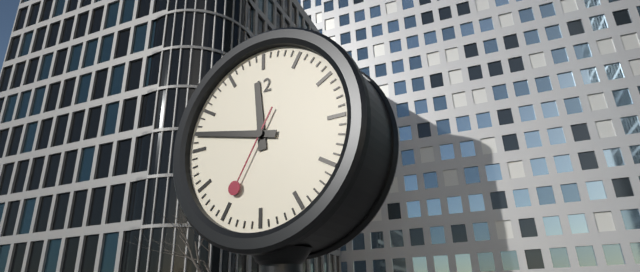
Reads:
h=11 m=47 s=35
